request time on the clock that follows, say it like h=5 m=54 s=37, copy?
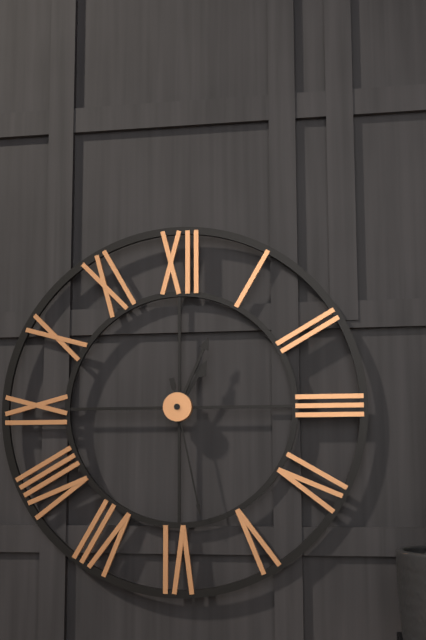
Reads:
h=1 m=4 s=28
